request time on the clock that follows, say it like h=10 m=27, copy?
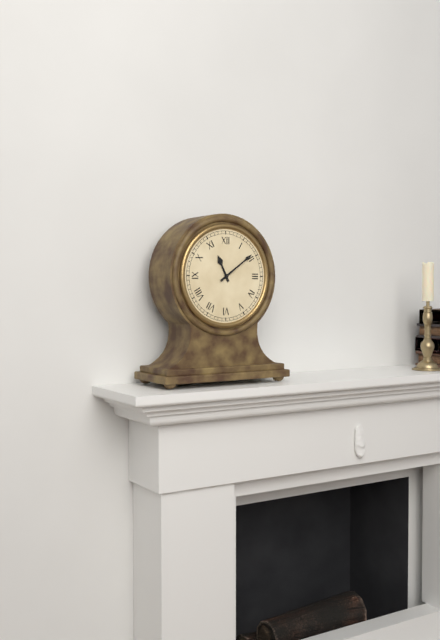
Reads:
h=11 m=9
